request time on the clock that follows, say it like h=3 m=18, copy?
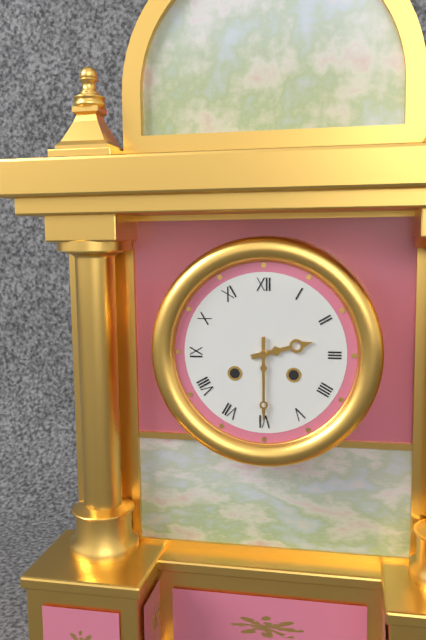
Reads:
h=2 m=30
